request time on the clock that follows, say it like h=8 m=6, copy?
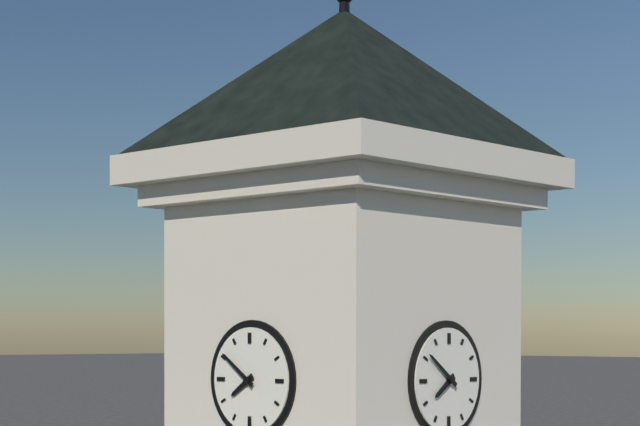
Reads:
h=7 m=51
